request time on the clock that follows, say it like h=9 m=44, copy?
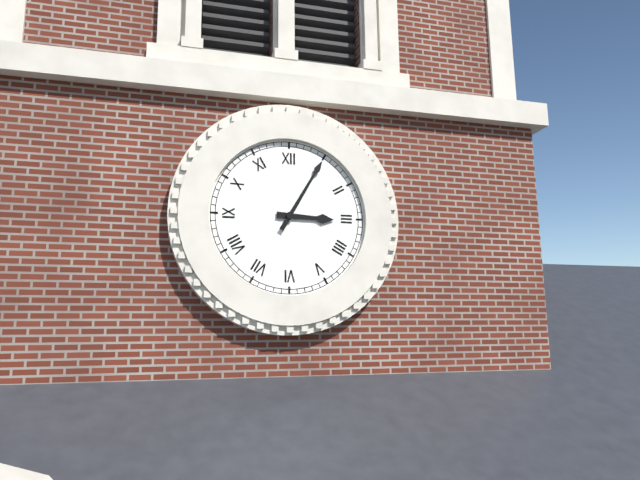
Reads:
h=3 m=5
